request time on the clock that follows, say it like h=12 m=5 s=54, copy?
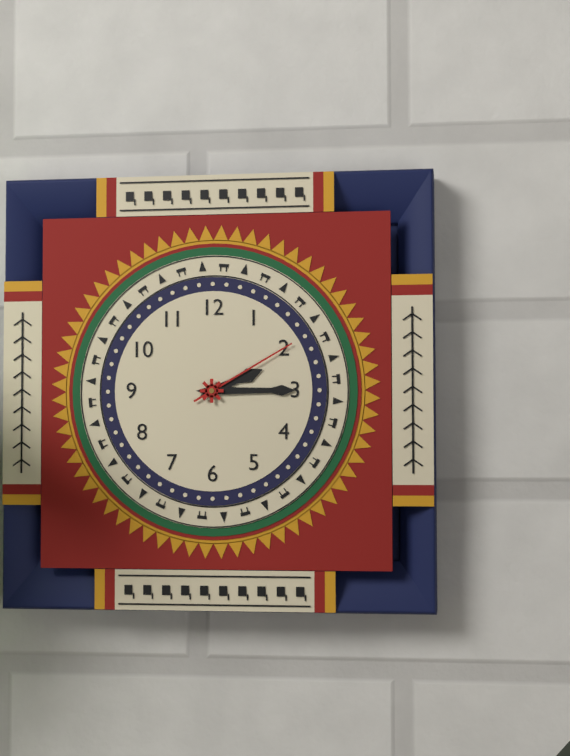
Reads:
h=2 m=15 s=10
